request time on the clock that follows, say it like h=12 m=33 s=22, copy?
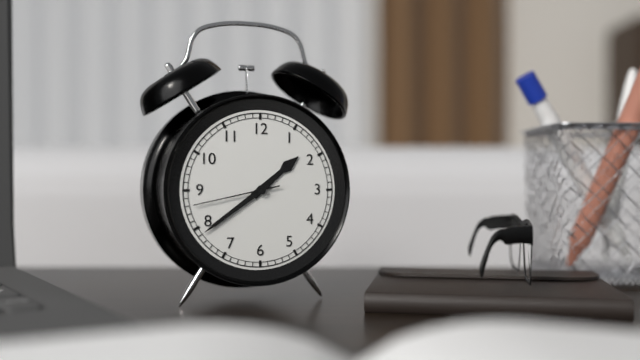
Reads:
h=1 m=39 s=43
